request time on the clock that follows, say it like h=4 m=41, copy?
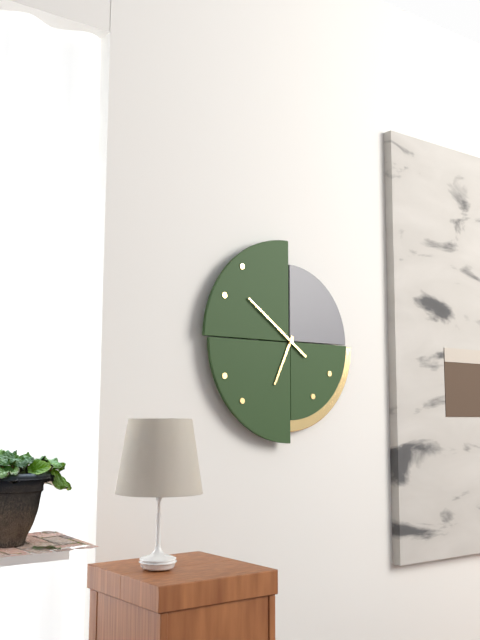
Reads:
h=6 m=51
